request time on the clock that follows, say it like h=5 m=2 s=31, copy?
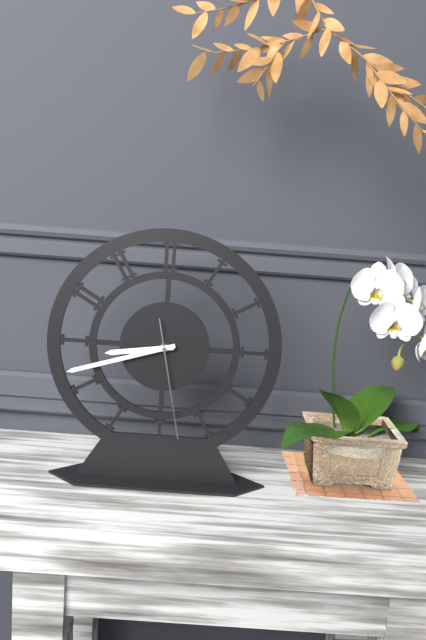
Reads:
h=8 m=42 s=28
